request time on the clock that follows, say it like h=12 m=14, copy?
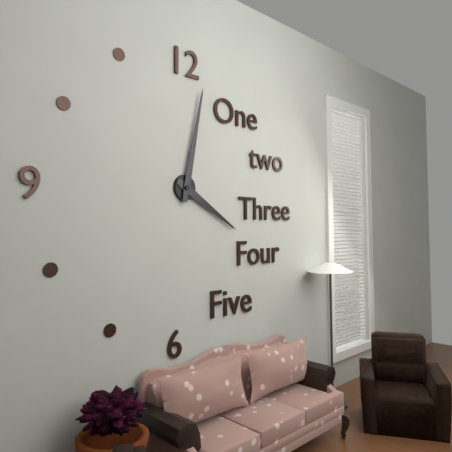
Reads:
h=4 m=2
